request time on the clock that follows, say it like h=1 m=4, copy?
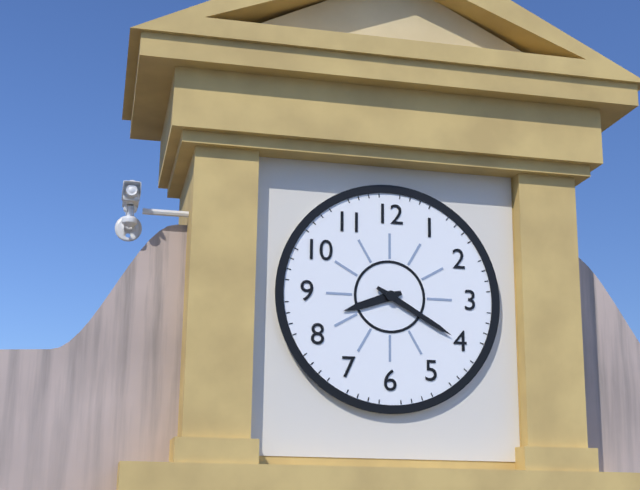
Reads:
h=8 m=20
